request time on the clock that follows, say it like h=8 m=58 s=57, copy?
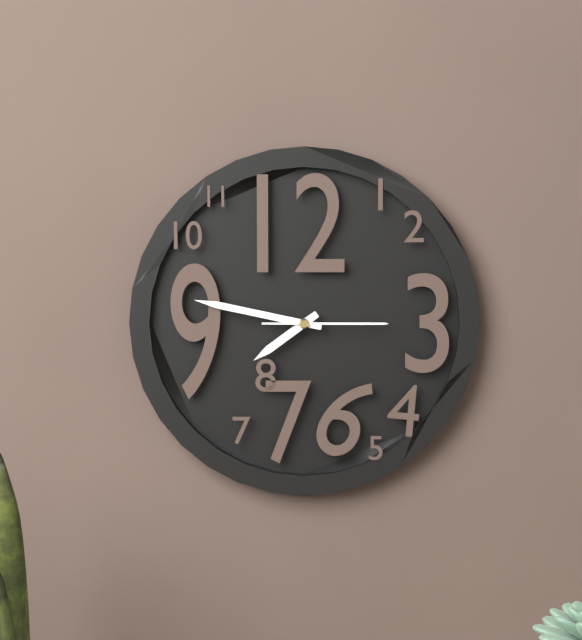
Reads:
h=7 m=47 s=15
